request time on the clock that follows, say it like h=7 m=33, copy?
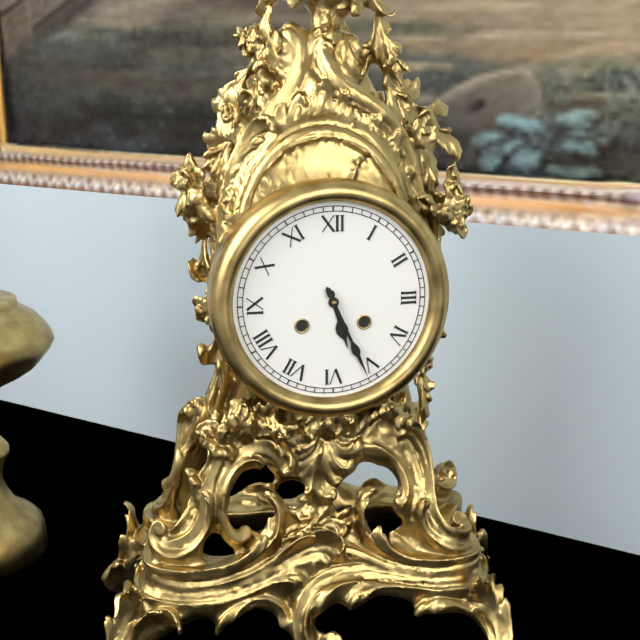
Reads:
h=5 m=26
